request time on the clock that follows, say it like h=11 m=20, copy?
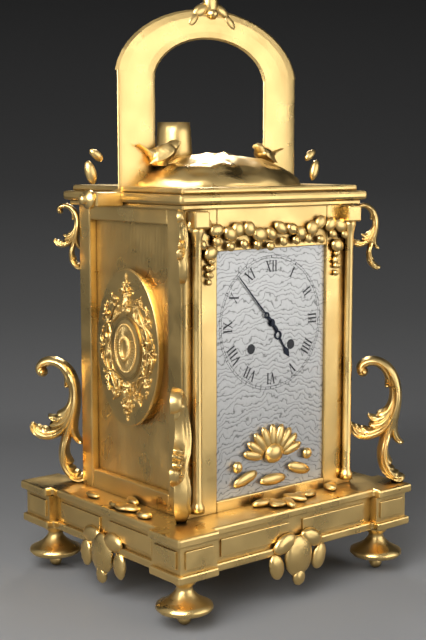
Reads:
h=4 m=53
